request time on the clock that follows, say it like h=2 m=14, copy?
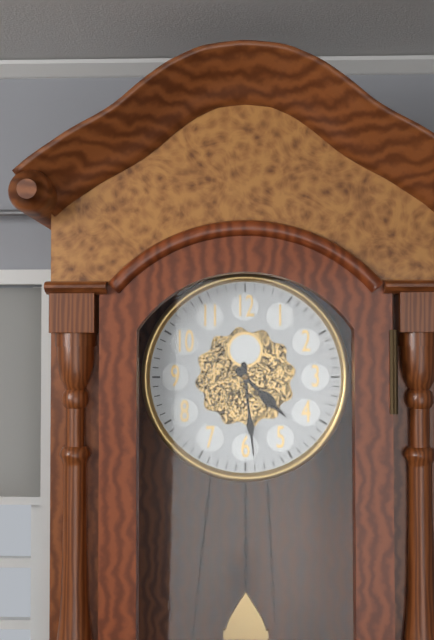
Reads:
h=4 m=29
